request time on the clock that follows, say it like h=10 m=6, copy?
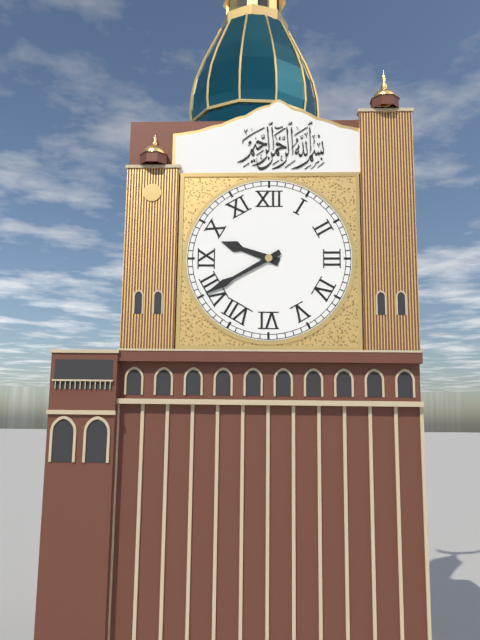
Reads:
h=9 m=40
